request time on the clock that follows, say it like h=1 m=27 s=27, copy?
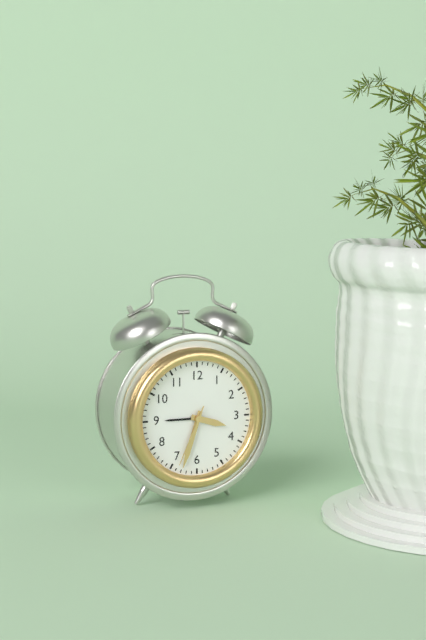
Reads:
h=3 m=33 s=34
